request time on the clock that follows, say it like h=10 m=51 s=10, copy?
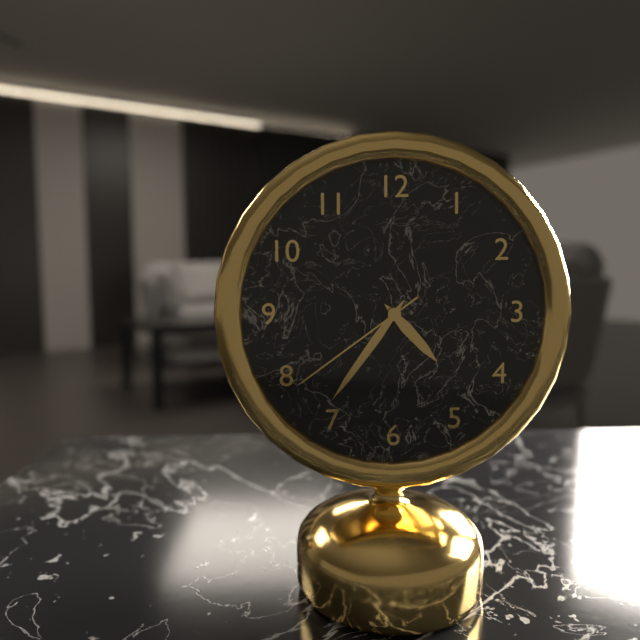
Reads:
h=4 m=36 s=39
